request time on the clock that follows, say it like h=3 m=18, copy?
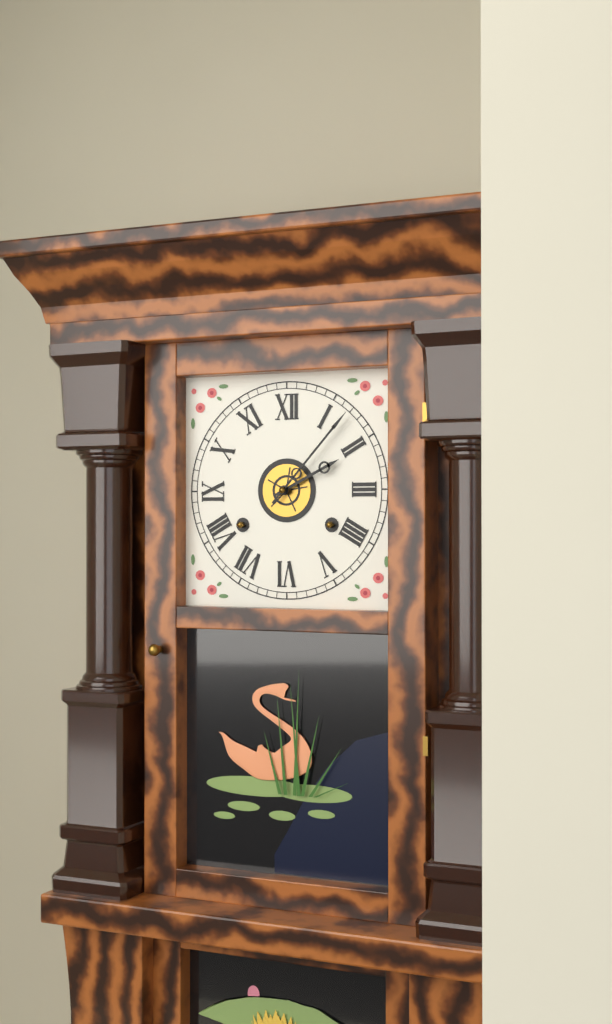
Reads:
h=2 m=7
